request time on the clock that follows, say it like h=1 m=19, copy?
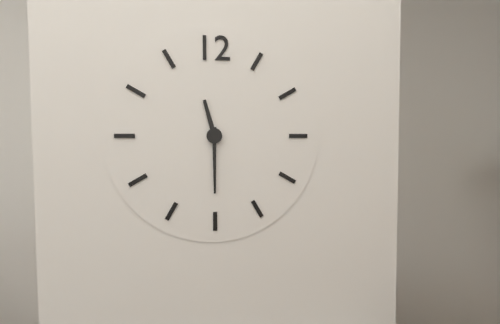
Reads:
h=11 m=30
